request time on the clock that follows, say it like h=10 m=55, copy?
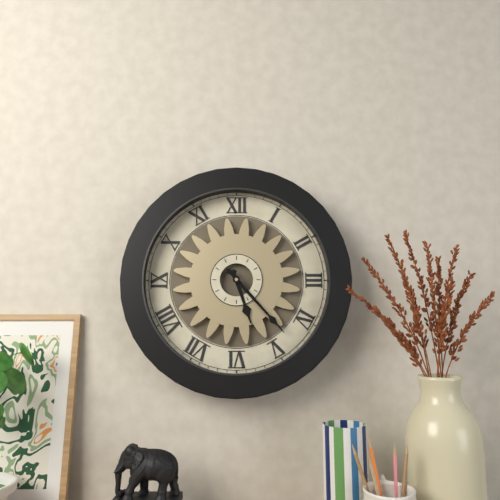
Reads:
h=5 m=23
